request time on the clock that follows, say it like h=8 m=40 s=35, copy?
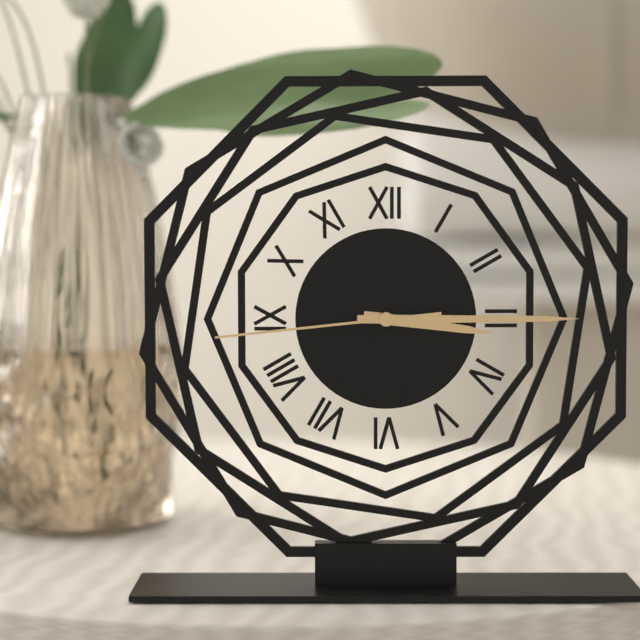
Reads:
h=3 m=15 s=44
